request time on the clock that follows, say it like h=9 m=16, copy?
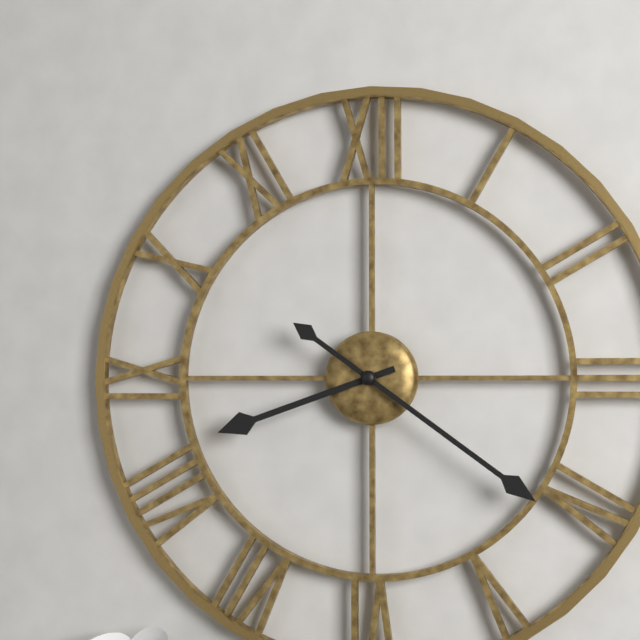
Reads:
h=8 m=21
